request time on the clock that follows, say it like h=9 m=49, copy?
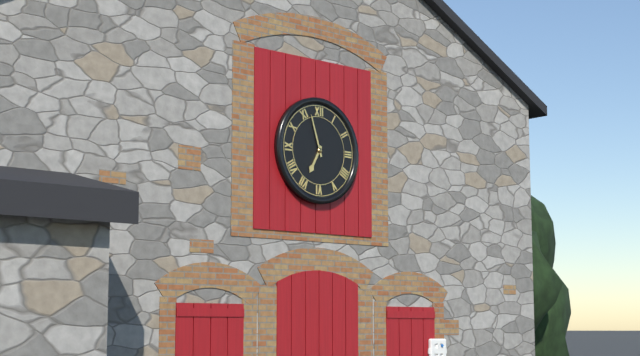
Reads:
h=6 m=57
